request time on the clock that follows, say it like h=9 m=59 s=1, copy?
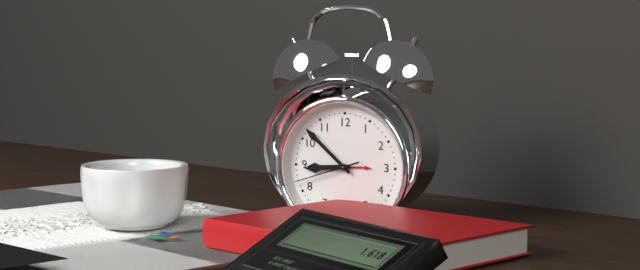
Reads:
h=8 m=52 s=42
